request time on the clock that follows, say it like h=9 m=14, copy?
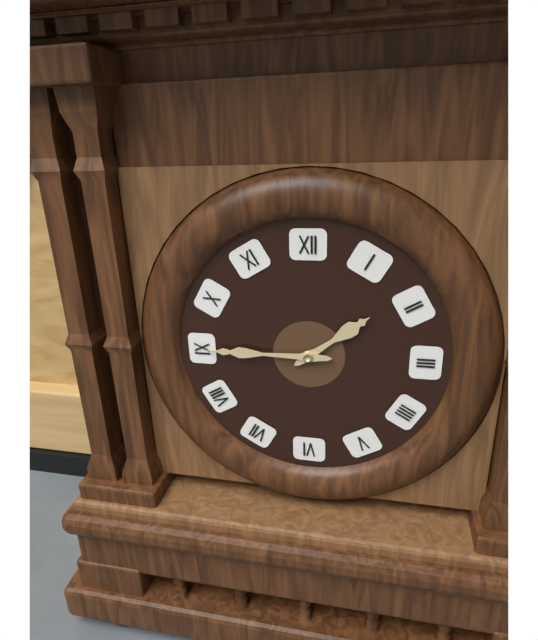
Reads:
h=1 m=45
